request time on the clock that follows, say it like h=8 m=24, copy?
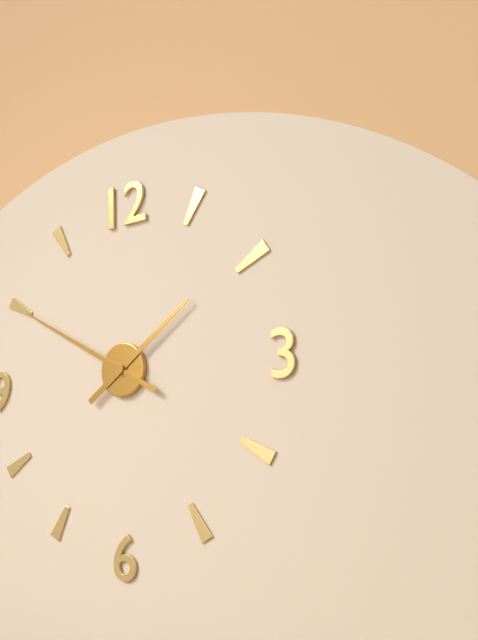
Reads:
h=1 m=50
